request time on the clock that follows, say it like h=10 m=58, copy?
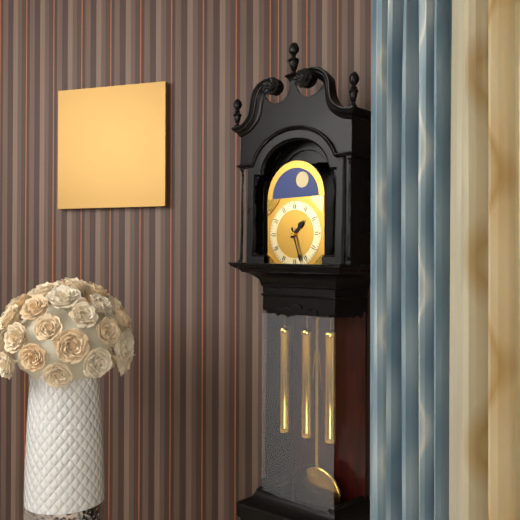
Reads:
h=1 m=27
